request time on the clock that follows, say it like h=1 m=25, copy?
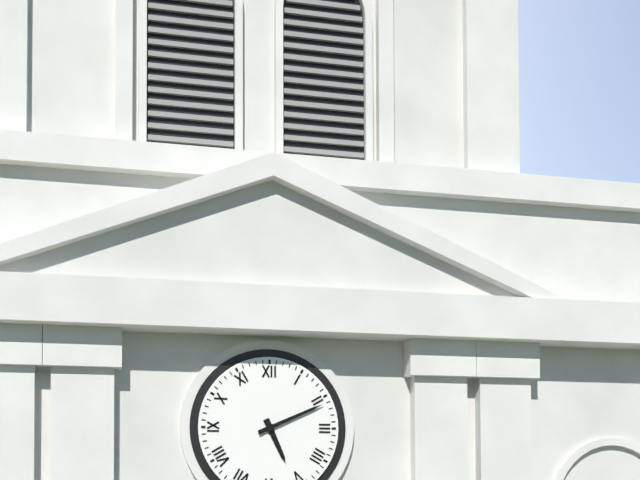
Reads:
h=5 m=11
